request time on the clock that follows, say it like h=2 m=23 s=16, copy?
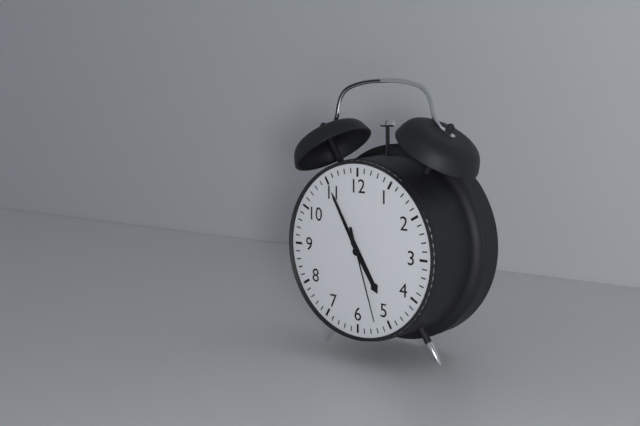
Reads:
h=4 m=55 s=27
